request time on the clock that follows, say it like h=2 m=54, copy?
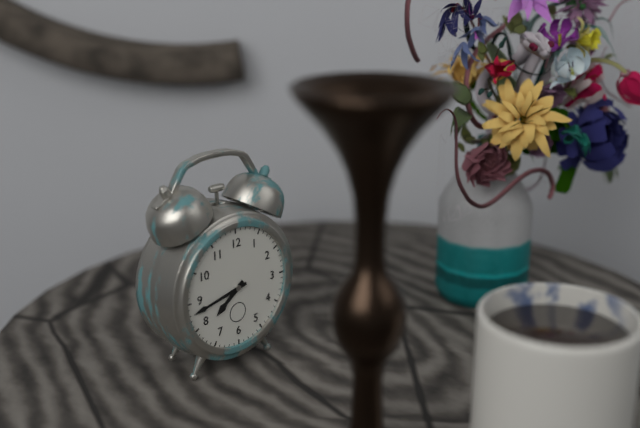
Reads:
h=7 m=43
